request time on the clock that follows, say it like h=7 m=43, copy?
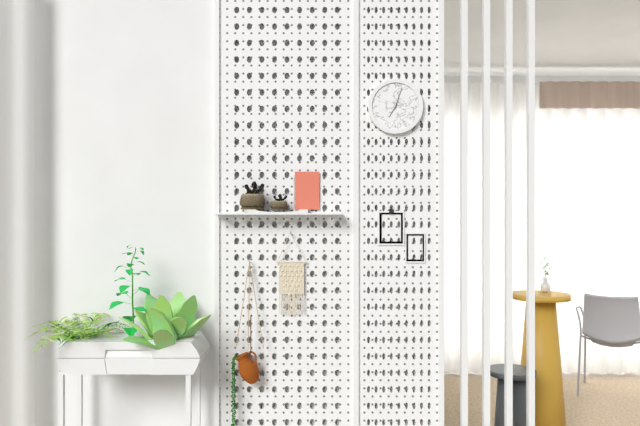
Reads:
h=7 m=3
